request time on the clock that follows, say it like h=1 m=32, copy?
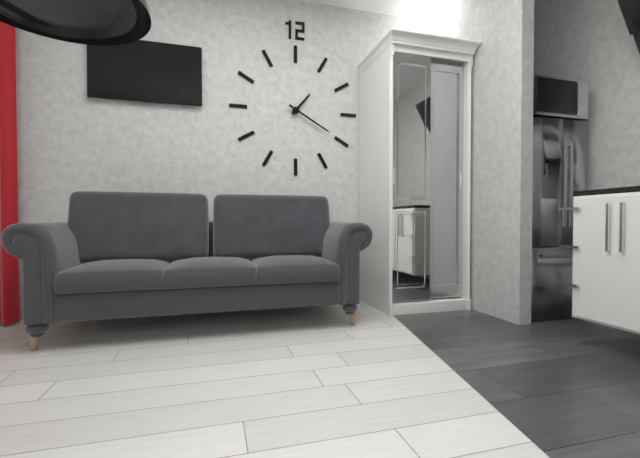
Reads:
h=1 m=20
